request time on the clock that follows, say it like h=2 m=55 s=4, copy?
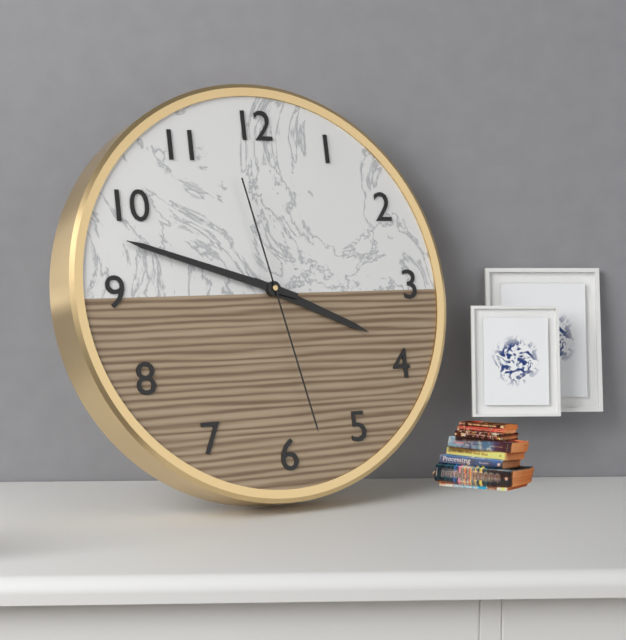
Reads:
h=3 m=48 s=28
